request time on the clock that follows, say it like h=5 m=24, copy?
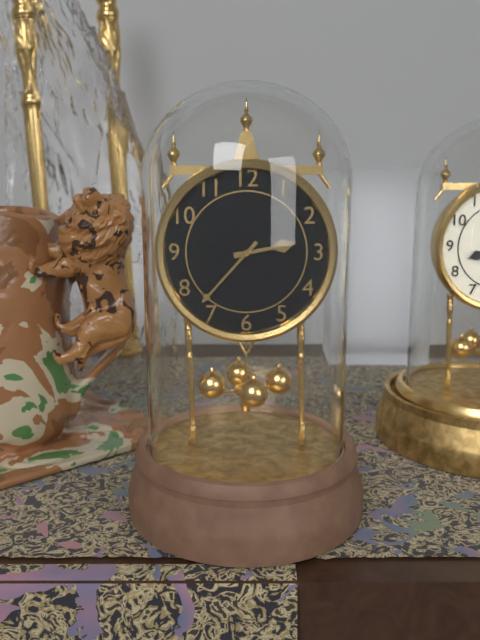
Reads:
h=2 m=37
